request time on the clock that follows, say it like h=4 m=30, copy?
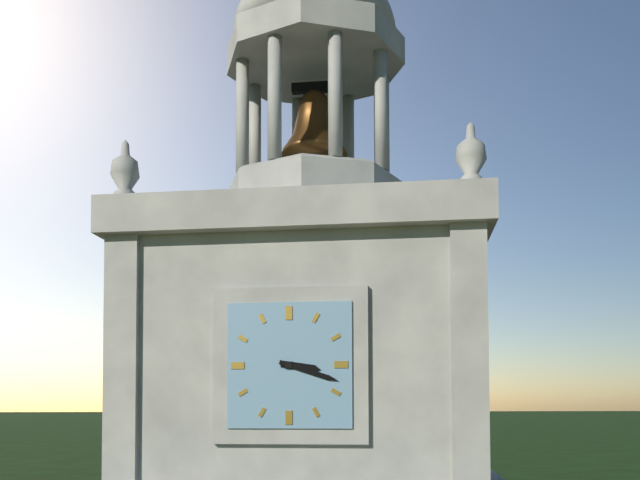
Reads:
h=3 m=18
